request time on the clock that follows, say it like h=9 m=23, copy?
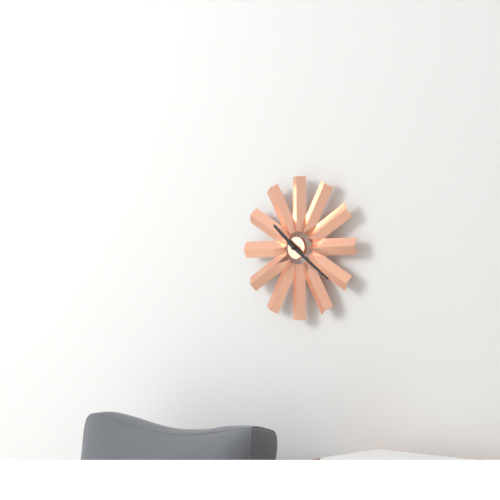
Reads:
h=10 m=21
